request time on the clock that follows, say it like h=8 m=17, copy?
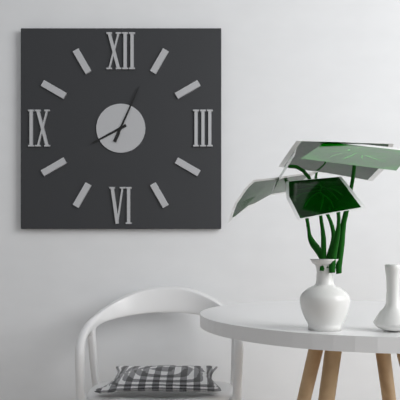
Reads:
h=8 m=4
